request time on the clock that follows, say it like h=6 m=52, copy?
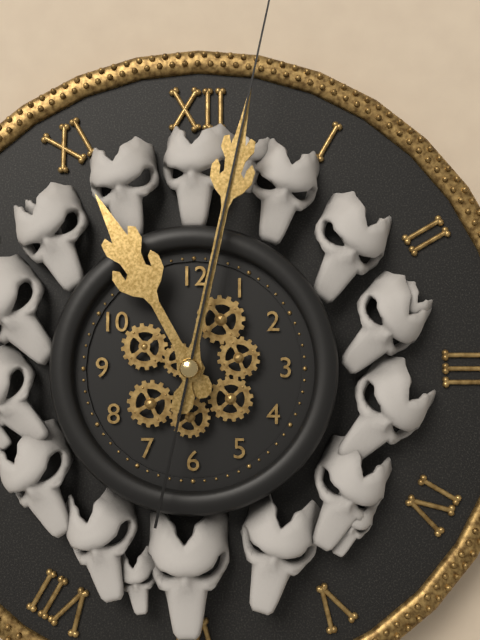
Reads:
h=11 m=2
